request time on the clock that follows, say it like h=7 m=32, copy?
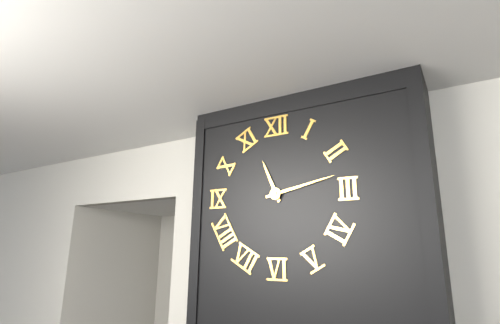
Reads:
h=11 m=13
